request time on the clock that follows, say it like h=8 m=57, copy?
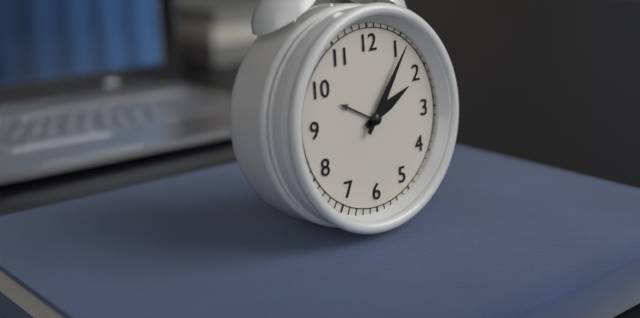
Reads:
h=2 m=6
